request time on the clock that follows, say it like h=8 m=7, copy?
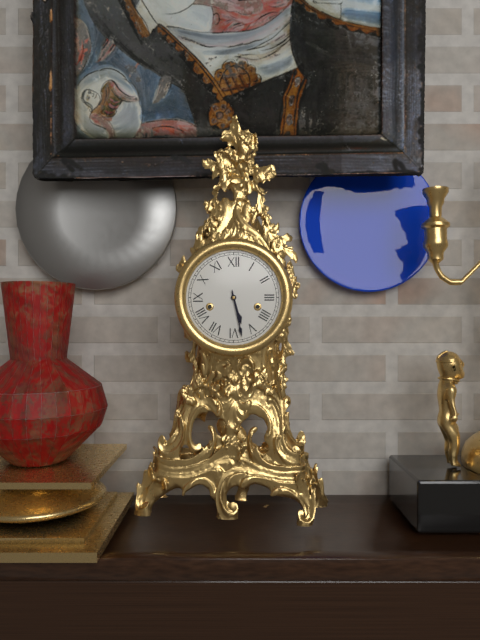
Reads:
h=5 m=28
